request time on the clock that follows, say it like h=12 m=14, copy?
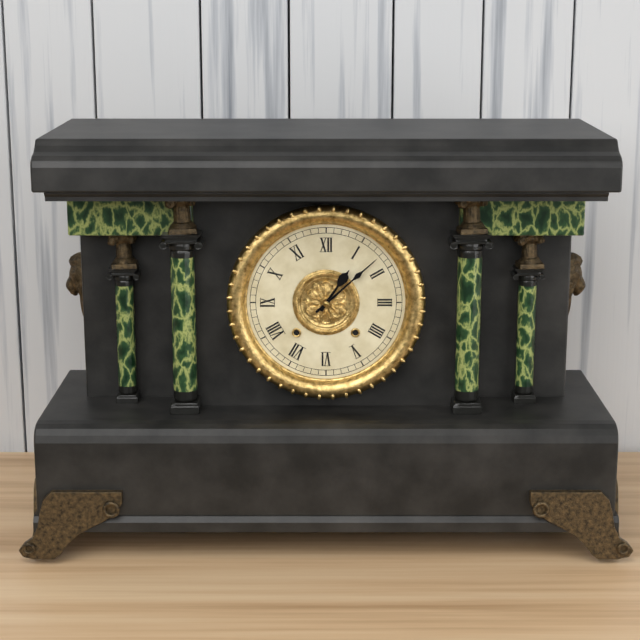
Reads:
h=1 m=8
